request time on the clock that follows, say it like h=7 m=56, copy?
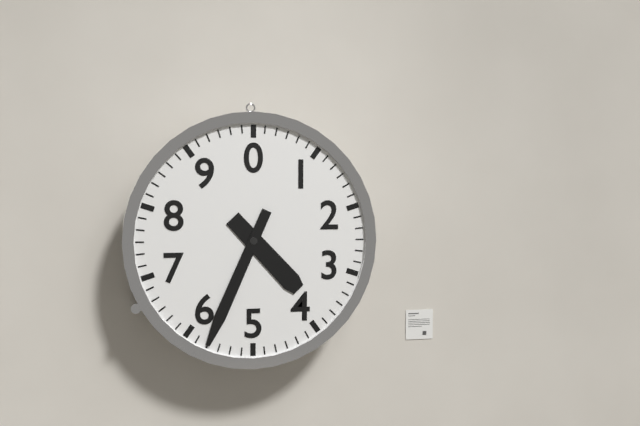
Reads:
h=4 m=34
